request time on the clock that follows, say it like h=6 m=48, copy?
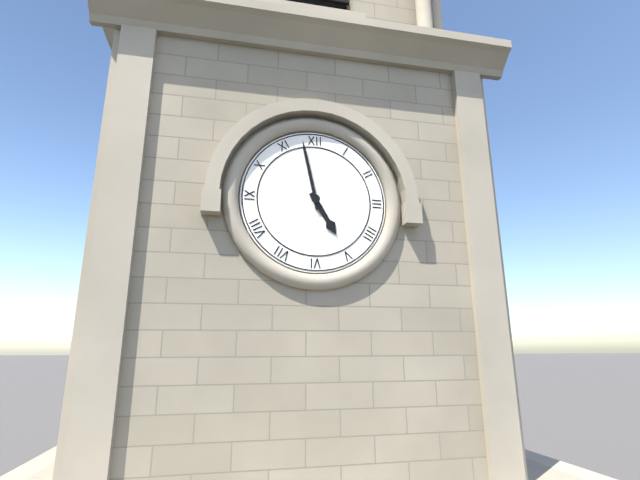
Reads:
h=4 m=58
